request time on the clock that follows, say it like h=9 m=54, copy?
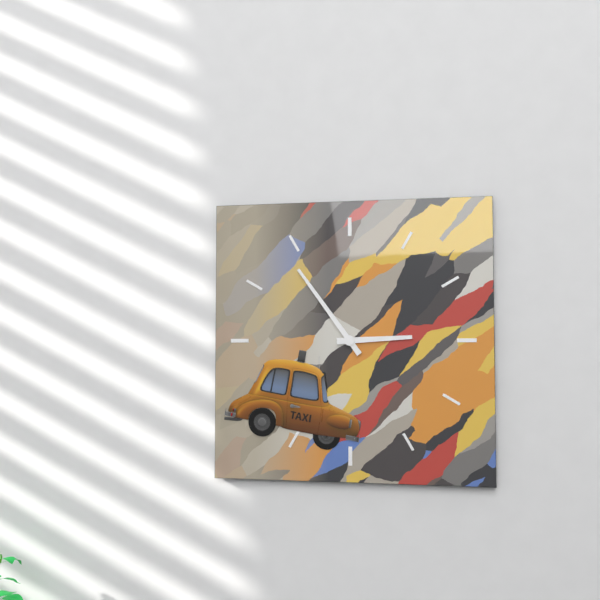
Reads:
h=2 m=54
